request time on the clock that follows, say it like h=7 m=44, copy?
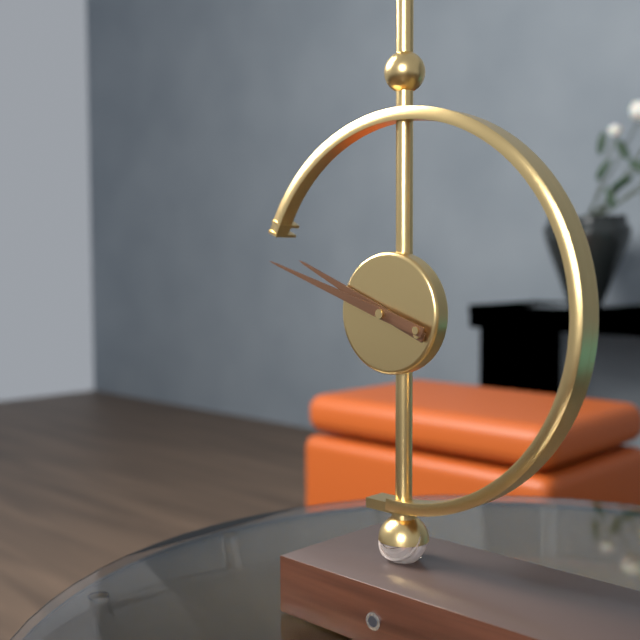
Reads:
h=9 m=48
